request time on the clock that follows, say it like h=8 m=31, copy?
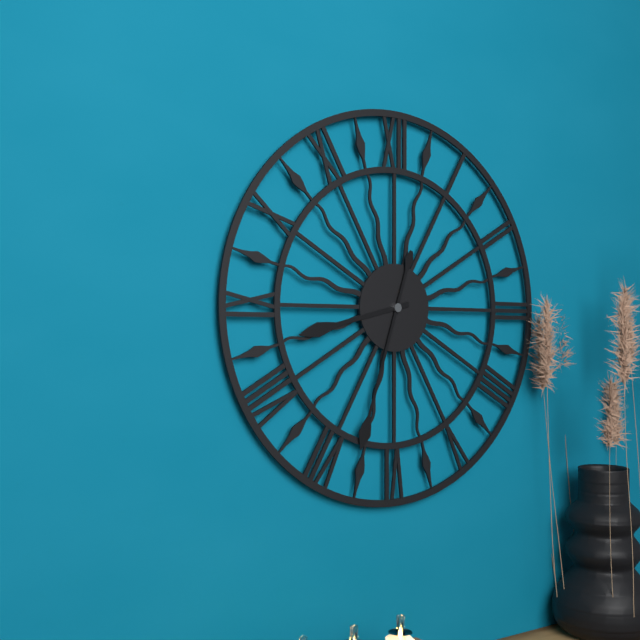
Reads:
h=8 m=33
